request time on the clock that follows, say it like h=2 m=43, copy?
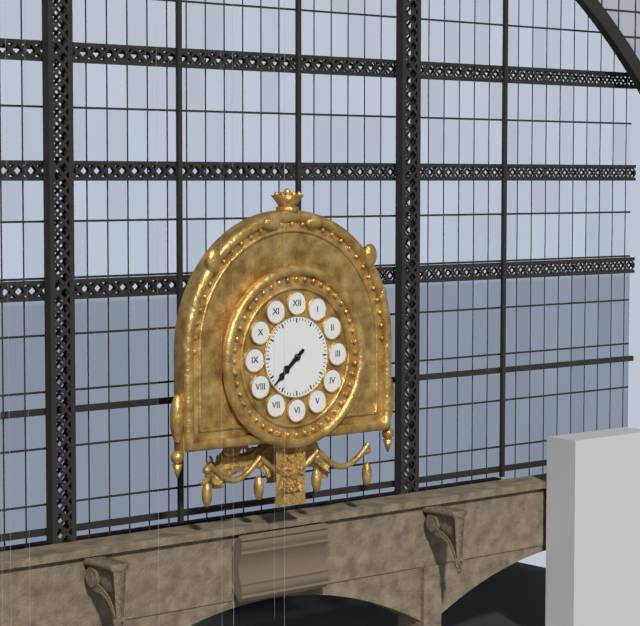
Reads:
h=7 m=38
